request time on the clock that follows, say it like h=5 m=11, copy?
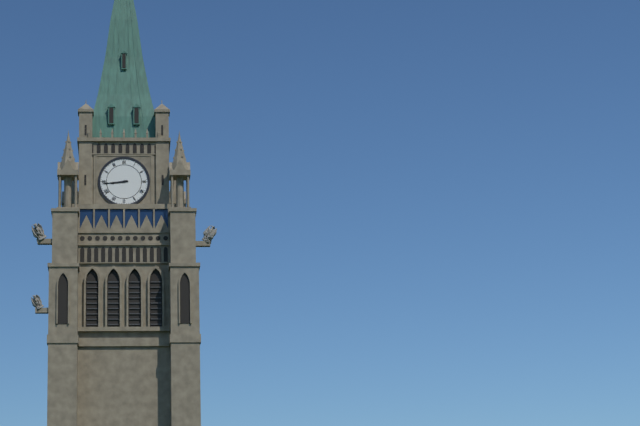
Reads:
h=8 m=44
